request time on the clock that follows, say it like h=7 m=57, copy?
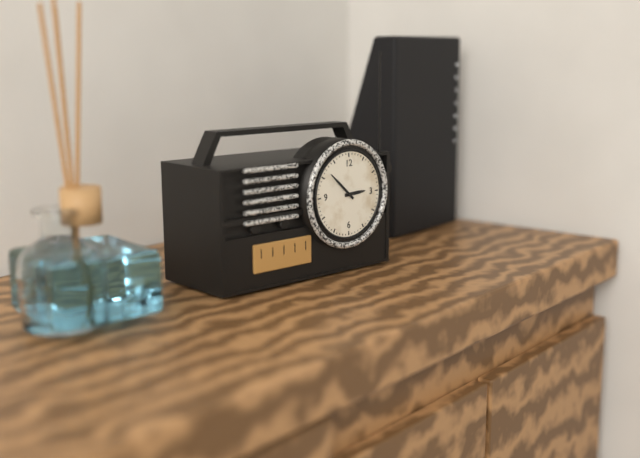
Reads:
h=2 m=52
